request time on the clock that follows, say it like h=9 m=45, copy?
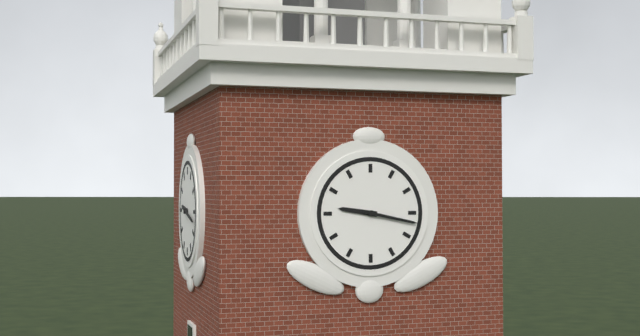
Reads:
h=9 m=17
